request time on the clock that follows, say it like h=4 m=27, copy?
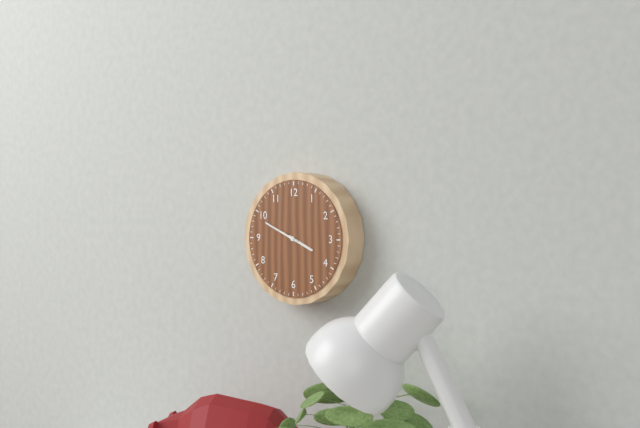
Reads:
h=3 m=49
